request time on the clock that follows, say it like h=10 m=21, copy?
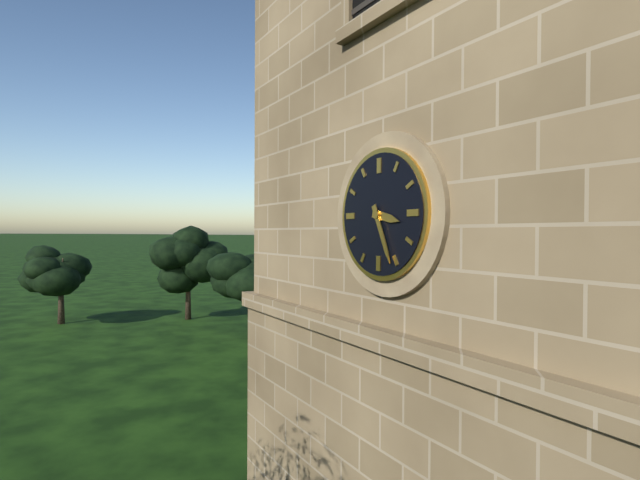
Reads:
h=3 m=26
